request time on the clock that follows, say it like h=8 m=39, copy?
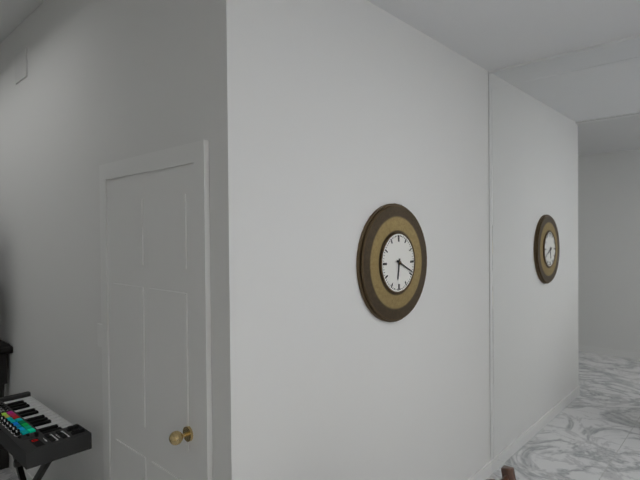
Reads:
h=6 m=19
